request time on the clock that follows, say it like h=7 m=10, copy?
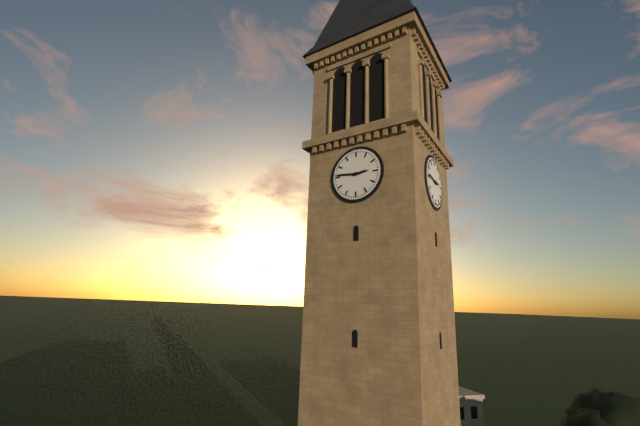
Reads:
h=2 m=46
